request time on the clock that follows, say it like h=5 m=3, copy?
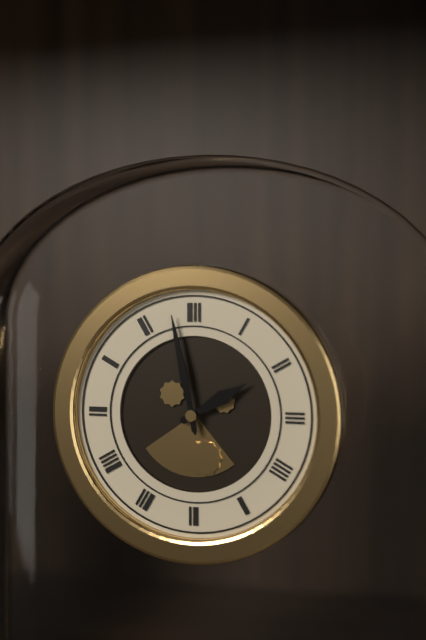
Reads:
h=1 m=58
